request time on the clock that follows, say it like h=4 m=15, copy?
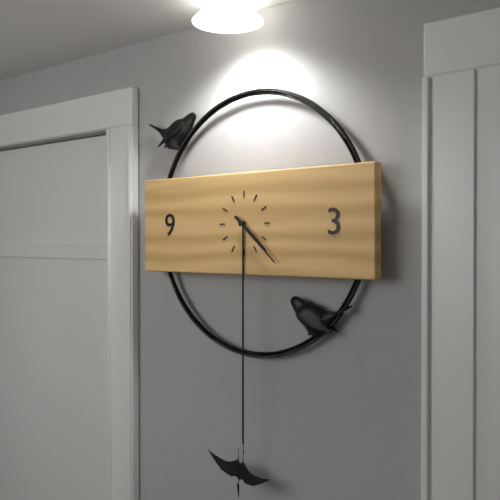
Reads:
h=4 m=22
